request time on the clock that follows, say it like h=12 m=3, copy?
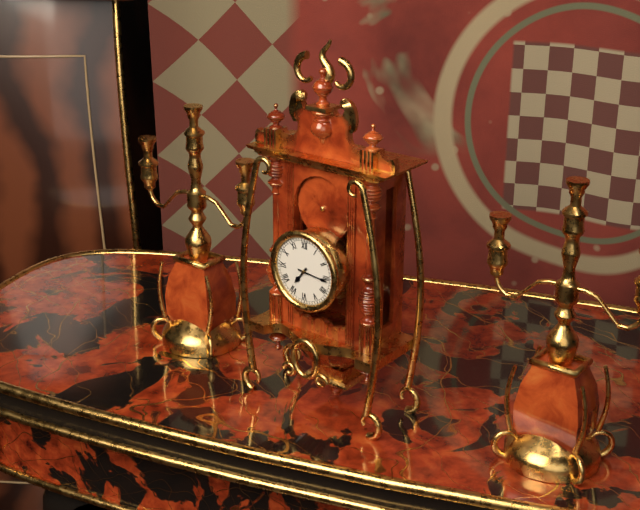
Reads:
h=7 m=16
